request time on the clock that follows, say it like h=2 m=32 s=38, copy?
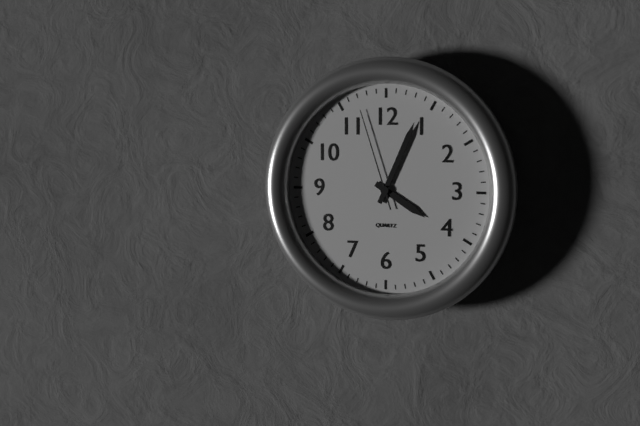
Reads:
h=4 m=4 s=57
